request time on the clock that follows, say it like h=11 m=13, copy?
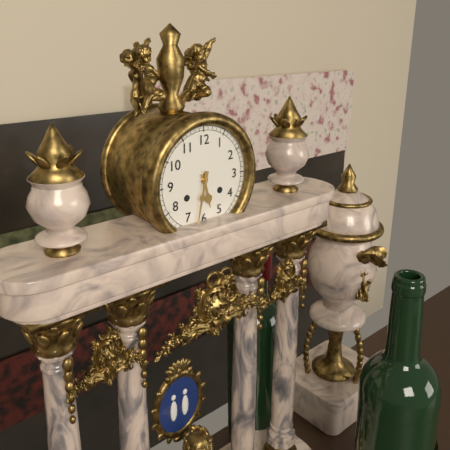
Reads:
h=5 m=32
